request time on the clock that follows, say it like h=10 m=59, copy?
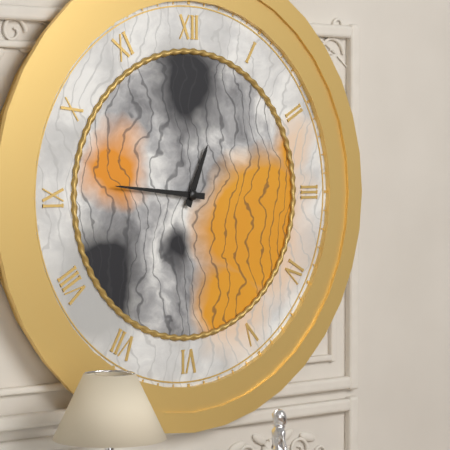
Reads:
h=12 m=46
